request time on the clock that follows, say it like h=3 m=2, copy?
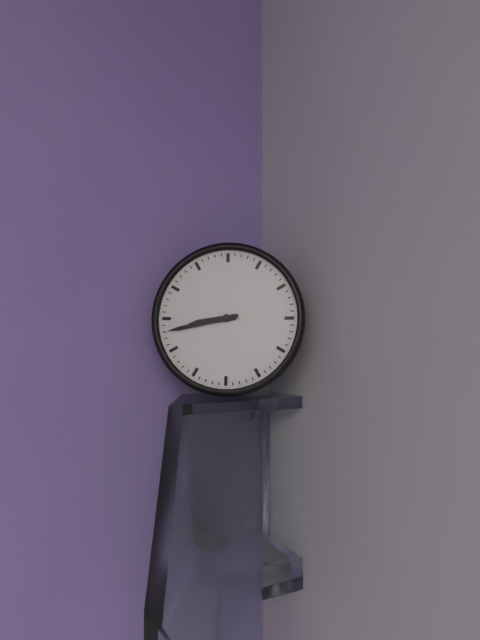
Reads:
h=8 m=43
